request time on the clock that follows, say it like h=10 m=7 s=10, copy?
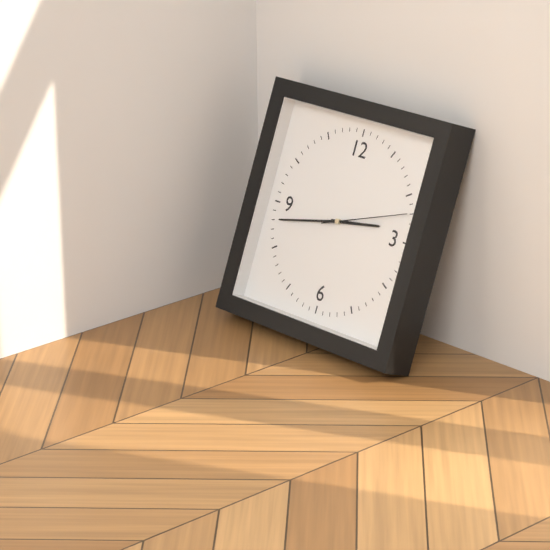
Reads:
h=2 m=43 s=12
